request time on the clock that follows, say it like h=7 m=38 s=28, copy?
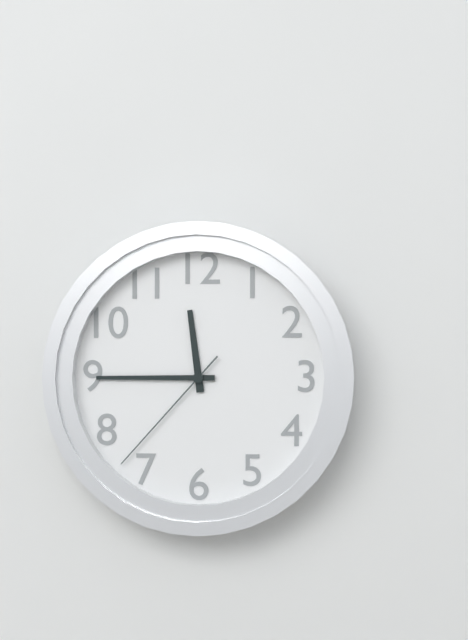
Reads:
h=11 m=45 s=37
